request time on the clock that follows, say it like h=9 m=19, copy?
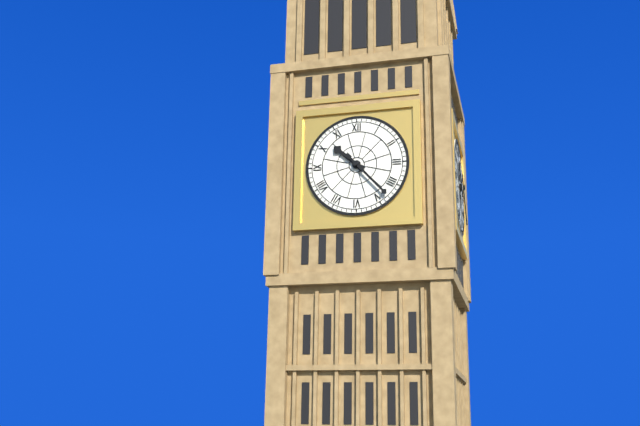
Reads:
h=10 m=23
